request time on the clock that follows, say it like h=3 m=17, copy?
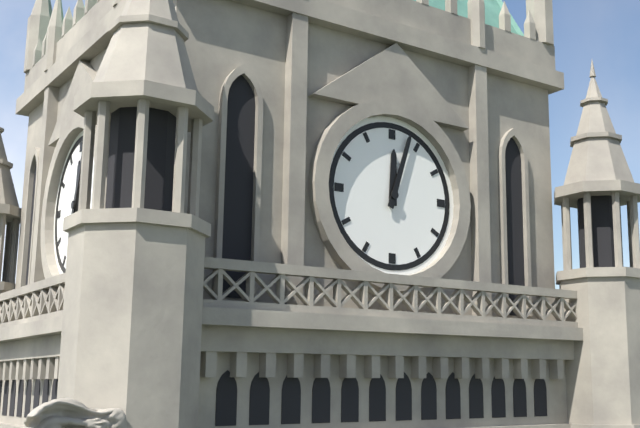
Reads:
h=12 m=3
